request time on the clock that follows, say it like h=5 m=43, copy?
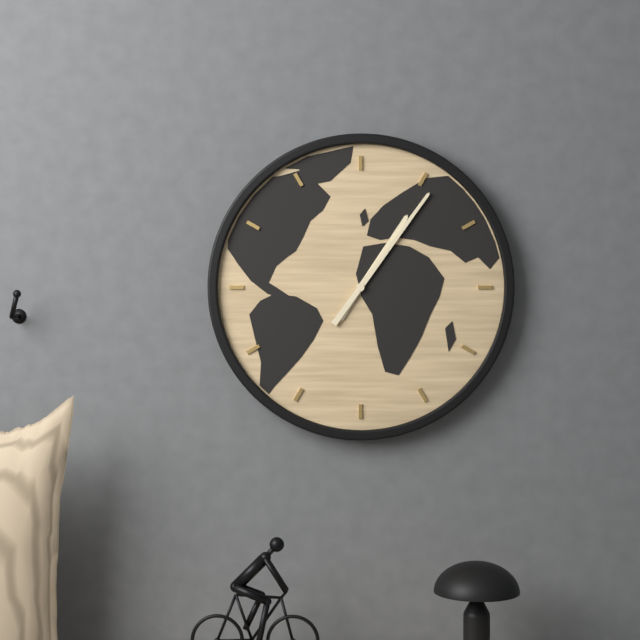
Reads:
h=1 m=6
